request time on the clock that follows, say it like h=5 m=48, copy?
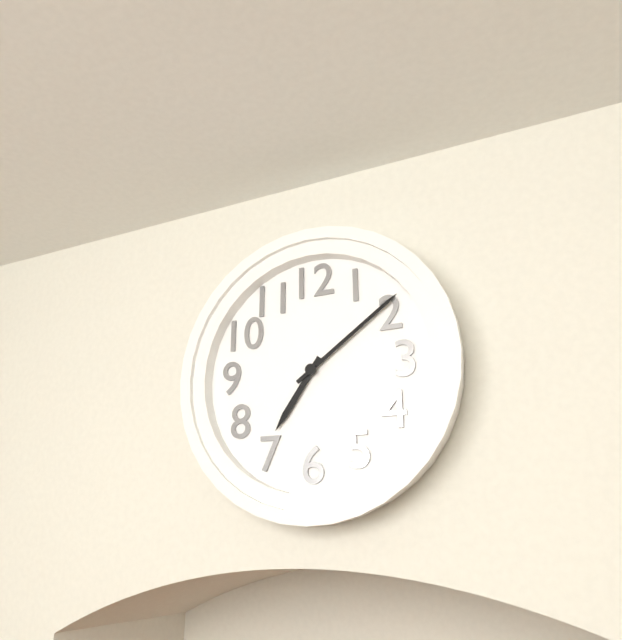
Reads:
h=7 m=9
